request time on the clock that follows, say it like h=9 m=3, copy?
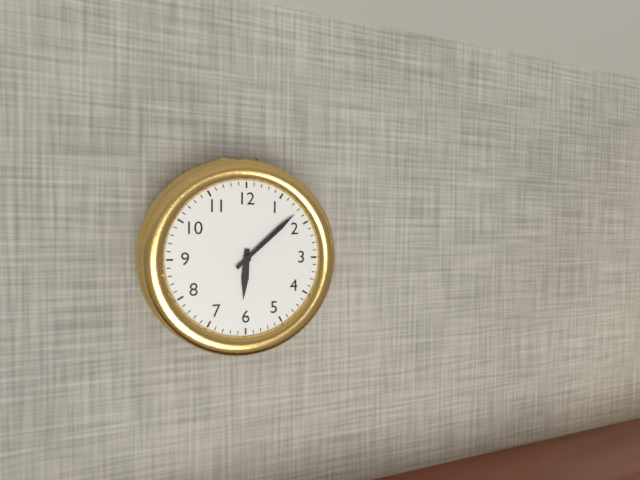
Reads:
h=6 m=8
